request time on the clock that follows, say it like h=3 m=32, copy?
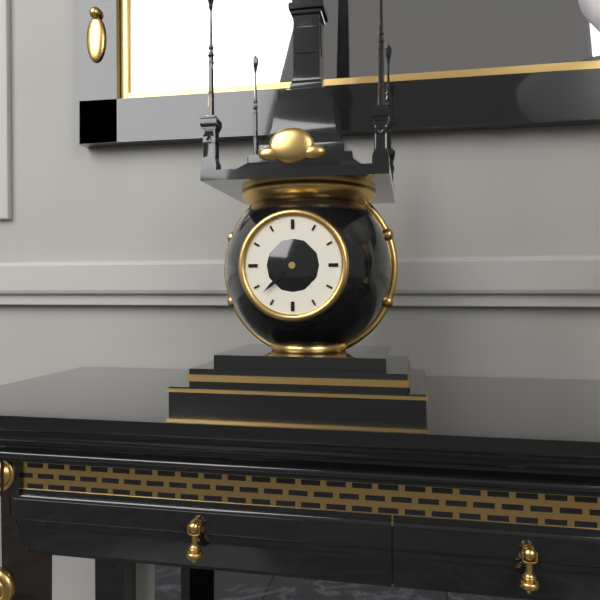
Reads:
h=4 m=38
